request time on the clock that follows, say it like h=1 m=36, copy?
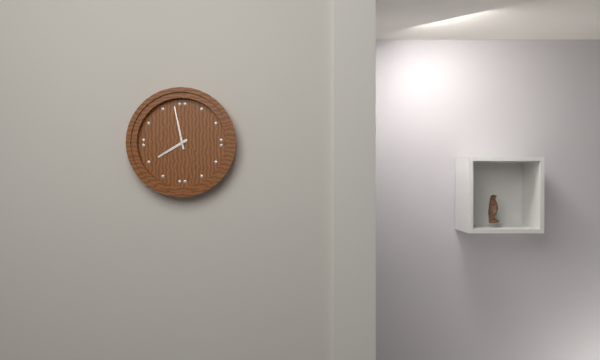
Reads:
h=7 m=58
